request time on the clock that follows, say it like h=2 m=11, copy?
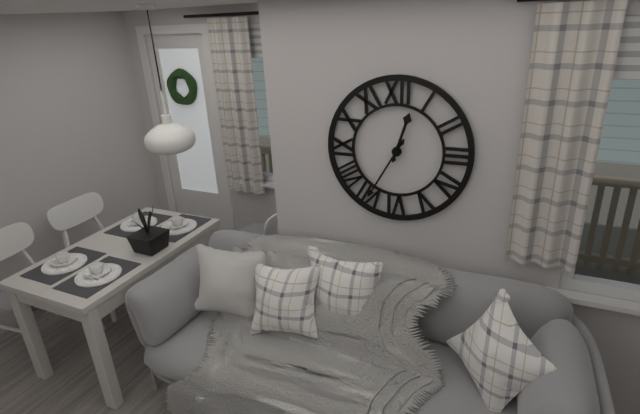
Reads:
h=12 m=35
